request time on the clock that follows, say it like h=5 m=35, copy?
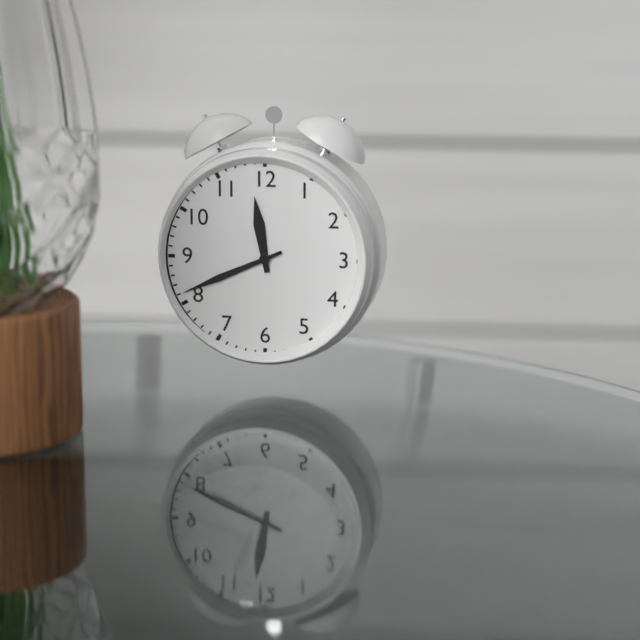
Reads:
h=11 m=41
